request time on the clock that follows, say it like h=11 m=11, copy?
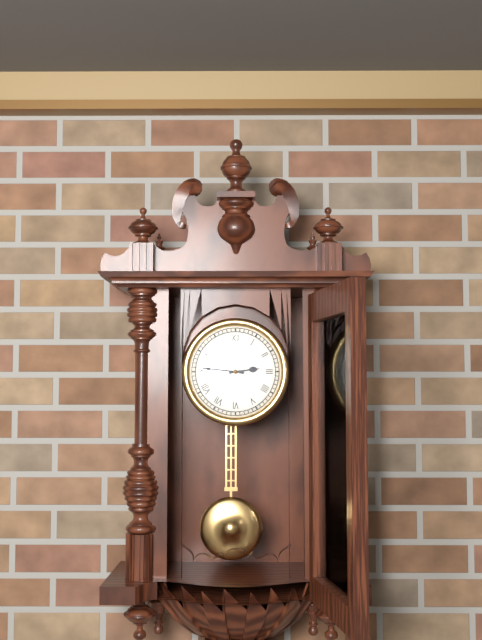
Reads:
h=2 m=46
